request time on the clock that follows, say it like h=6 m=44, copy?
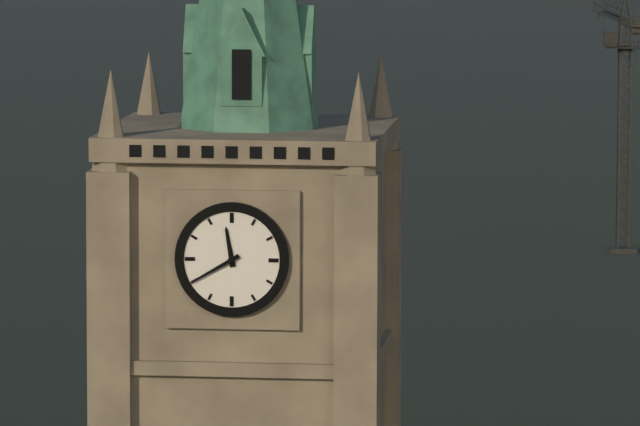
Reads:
h=11 m=40
